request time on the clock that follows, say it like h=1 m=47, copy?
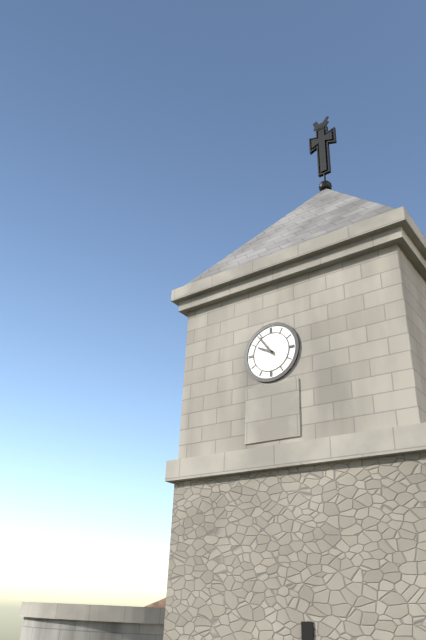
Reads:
h=9 m=54
